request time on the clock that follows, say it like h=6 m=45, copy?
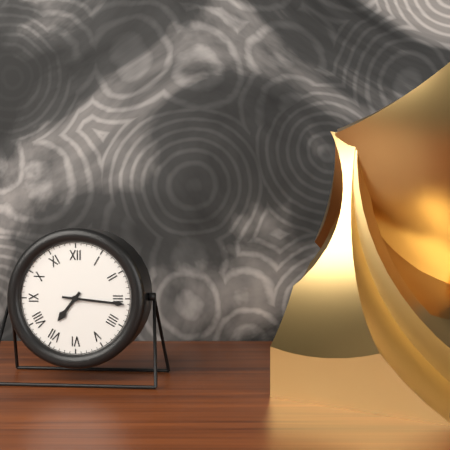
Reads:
h=7 m=16
